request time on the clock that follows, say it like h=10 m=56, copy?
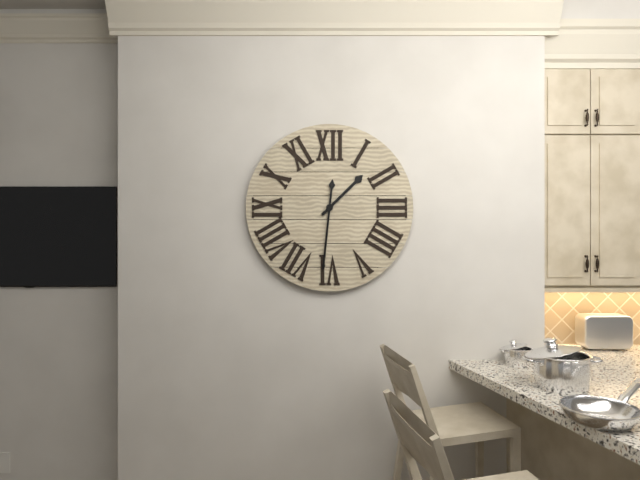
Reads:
h=1 m=31
